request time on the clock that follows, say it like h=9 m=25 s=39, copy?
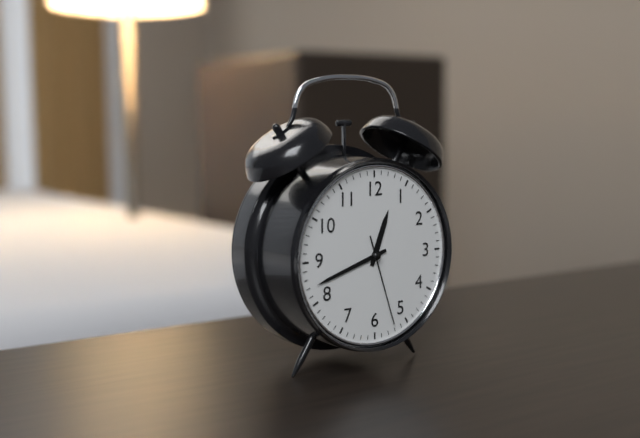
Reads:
h=12 m=42 s=27
